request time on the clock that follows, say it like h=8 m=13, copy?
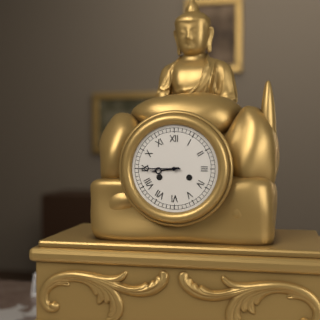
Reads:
h=8 m=45
